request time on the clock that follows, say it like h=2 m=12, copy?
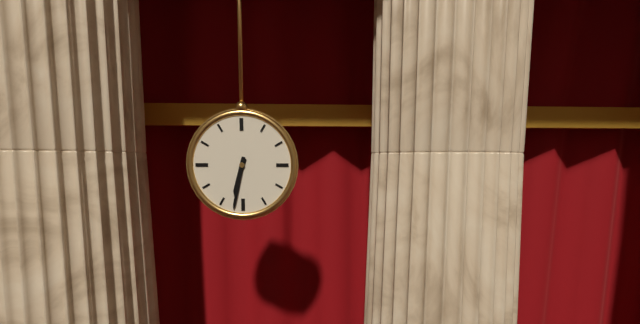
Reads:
h=6 m=32
